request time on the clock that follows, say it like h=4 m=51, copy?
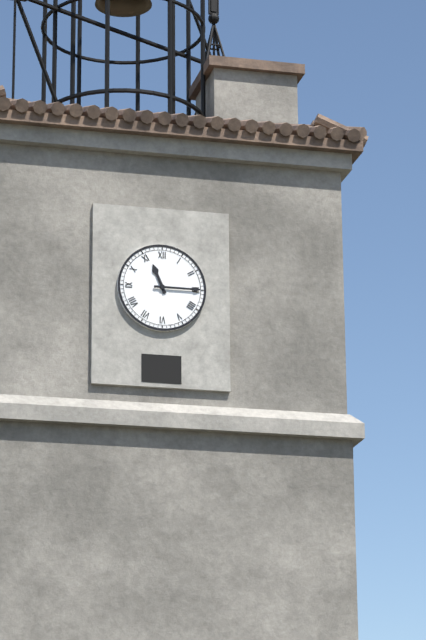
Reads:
h=11 m=15
